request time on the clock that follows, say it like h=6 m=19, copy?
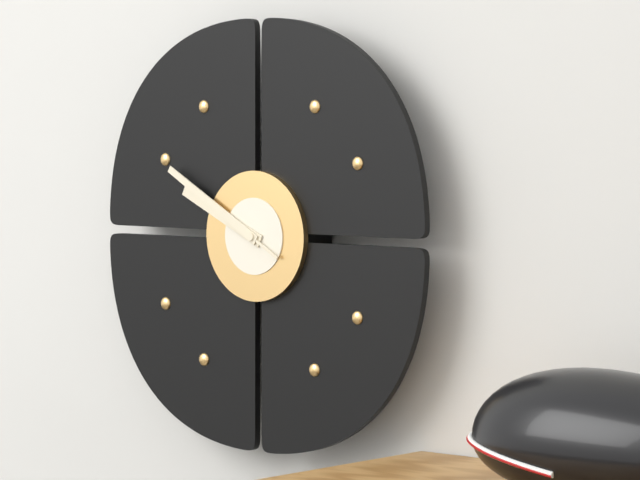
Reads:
h=9 m=50
